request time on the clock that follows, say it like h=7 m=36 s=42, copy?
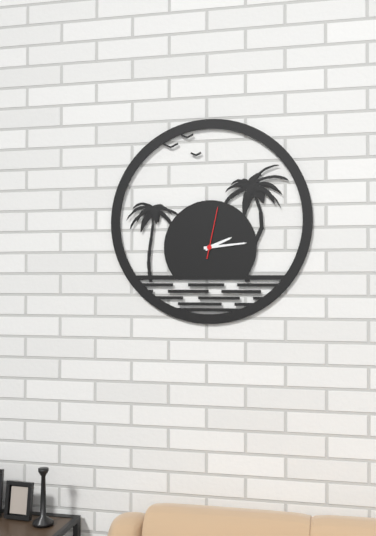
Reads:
h=2 m=14 s=2
